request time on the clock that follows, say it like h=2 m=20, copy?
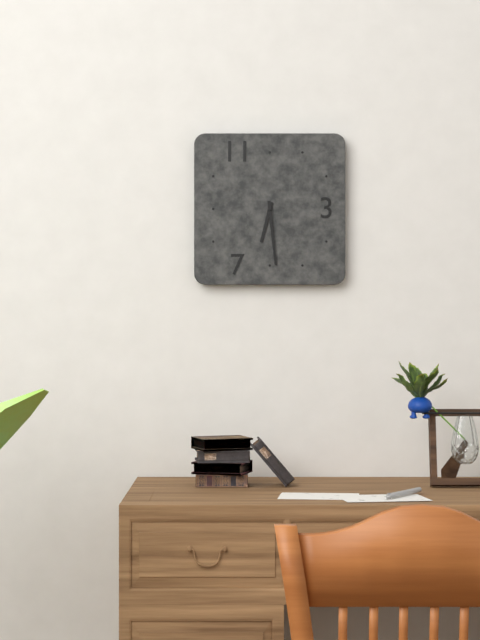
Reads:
h=6 m=29
